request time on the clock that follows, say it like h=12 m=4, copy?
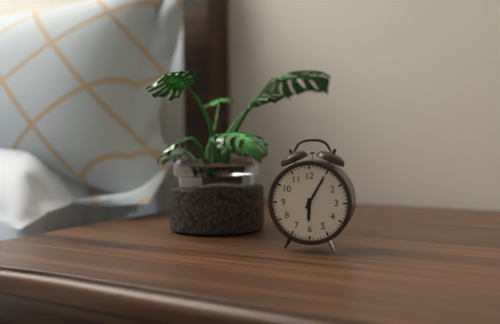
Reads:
h=6 m=5
